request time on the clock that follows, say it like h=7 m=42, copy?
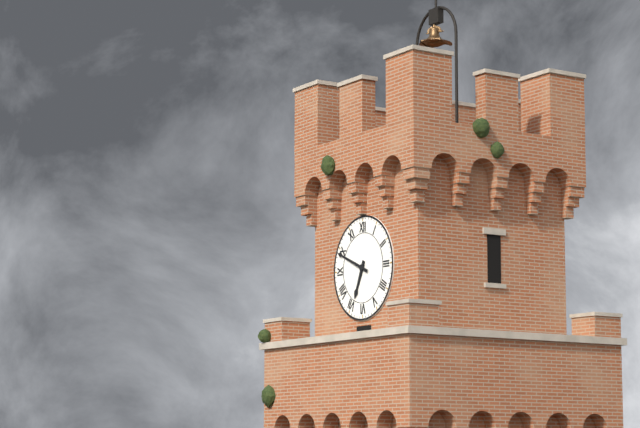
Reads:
h=6 m=49
